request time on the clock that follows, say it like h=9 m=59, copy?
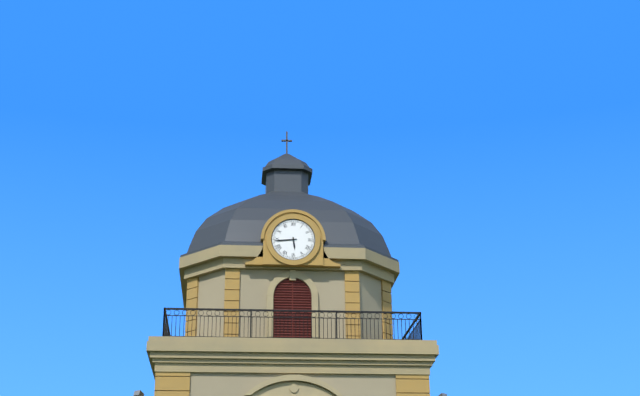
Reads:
h=5 m=44
